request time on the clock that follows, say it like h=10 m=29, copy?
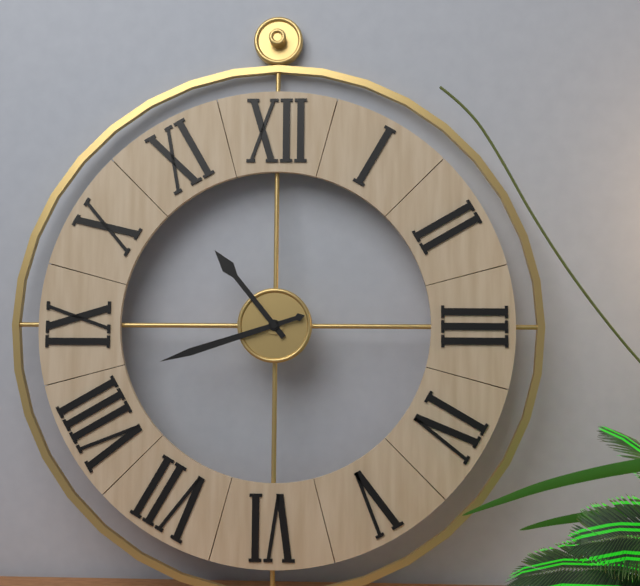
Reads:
h=10 m=42
